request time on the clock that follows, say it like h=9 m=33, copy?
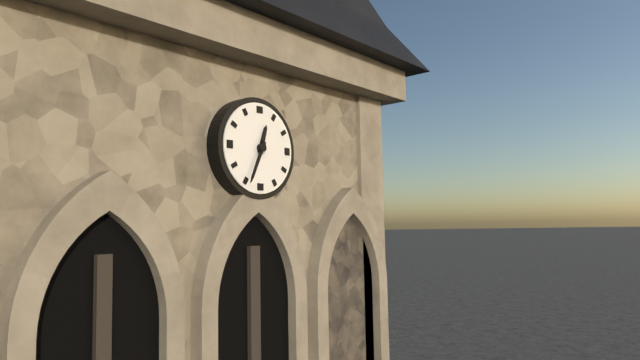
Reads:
h=12 m=34
